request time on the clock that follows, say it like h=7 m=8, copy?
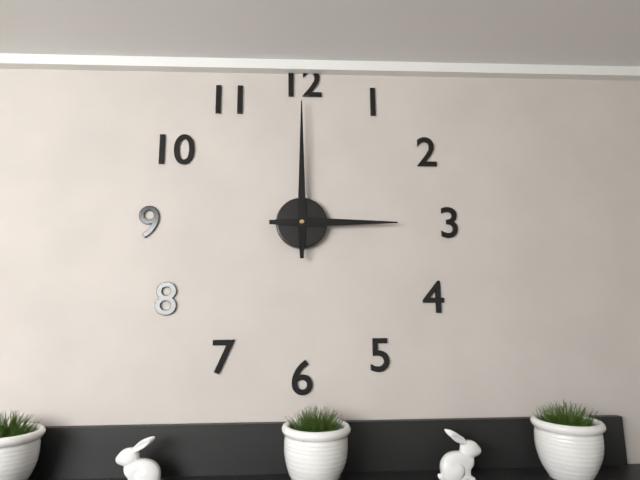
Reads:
h=3 m=0
